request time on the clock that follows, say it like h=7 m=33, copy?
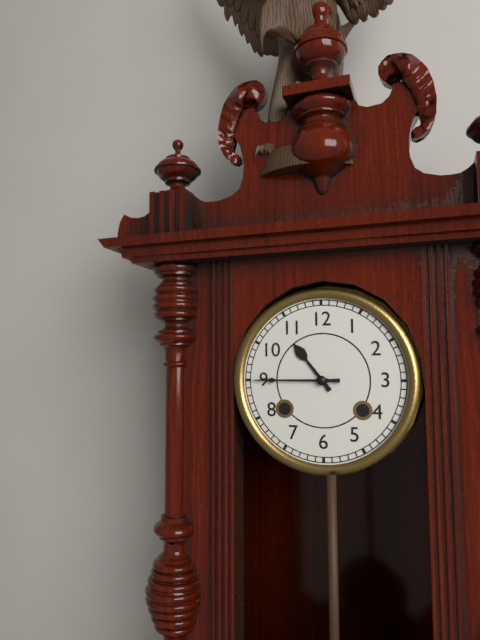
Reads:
h=10 m=45
